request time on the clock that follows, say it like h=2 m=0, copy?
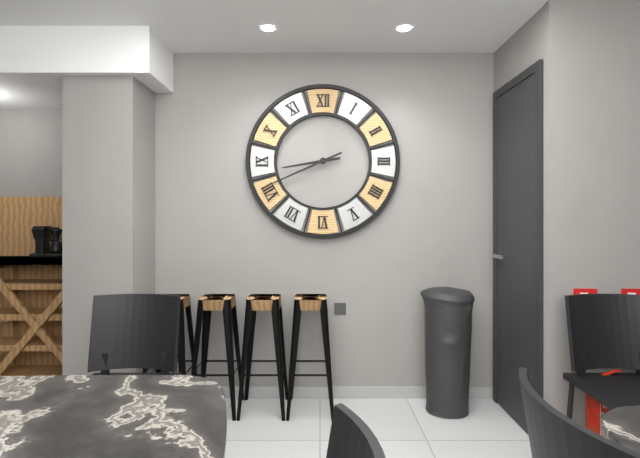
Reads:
h=8 m=41
